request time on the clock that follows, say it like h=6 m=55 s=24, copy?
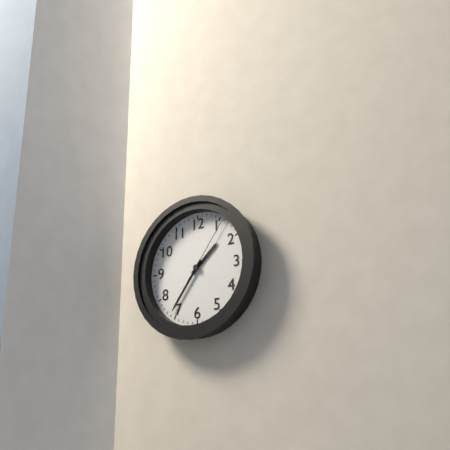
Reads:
h=1 m=36 s=6
